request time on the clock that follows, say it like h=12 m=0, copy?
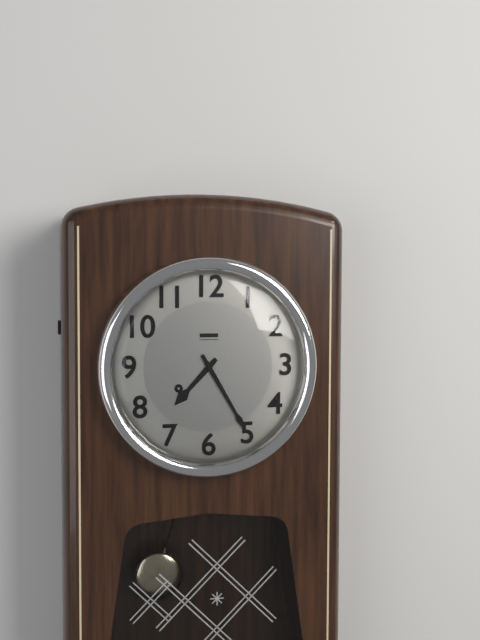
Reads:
h=7 m=25
